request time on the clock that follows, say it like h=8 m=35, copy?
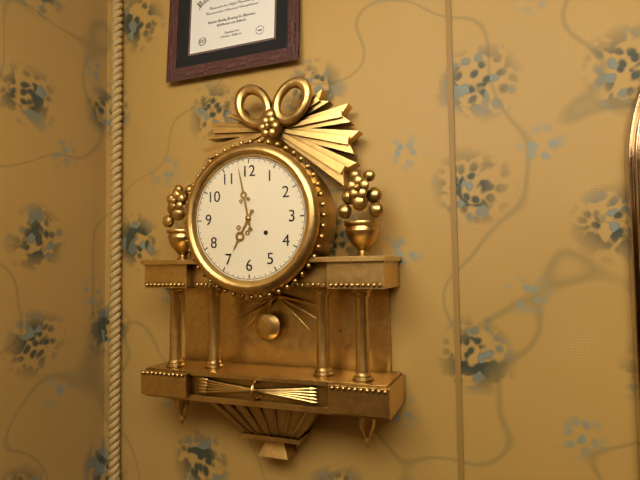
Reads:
h=6 m=58
